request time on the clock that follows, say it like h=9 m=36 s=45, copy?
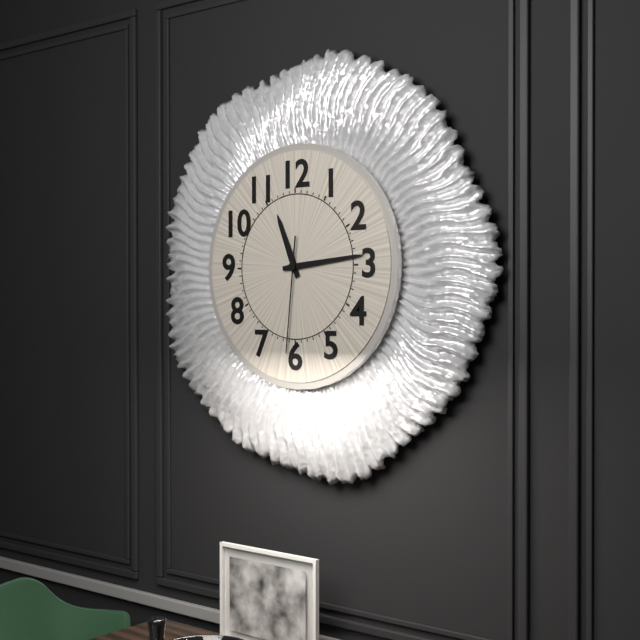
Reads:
h=11 m=14 s=31
